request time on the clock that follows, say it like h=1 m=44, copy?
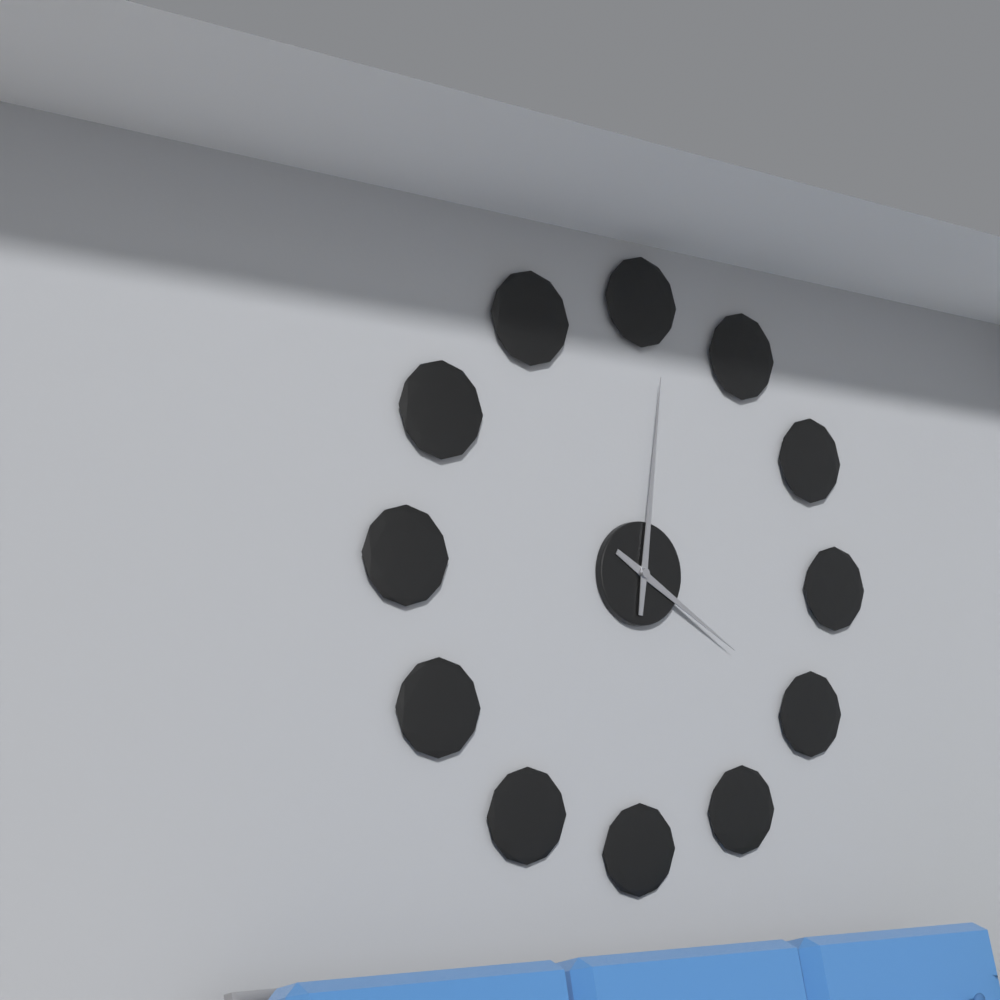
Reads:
h=4 m=1
